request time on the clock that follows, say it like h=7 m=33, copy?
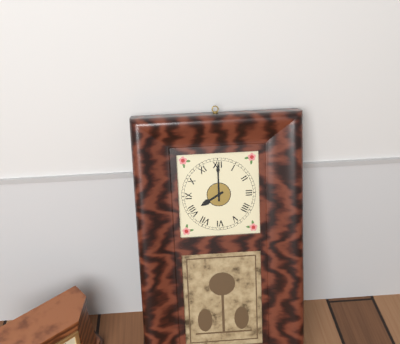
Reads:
h=8 m=0
